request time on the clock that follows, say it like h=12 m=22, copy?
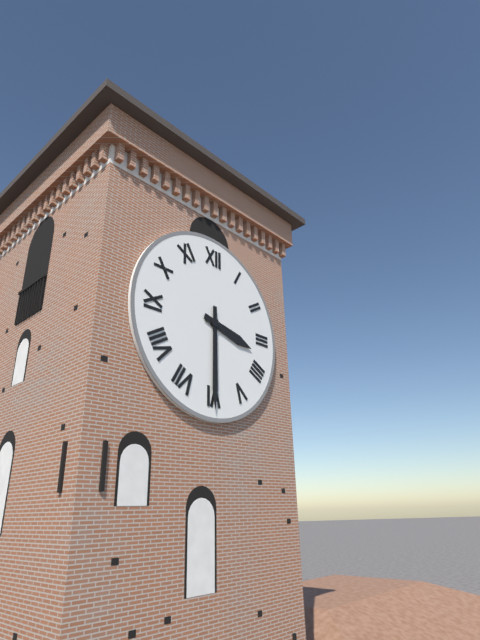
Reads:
h=3 m=30
